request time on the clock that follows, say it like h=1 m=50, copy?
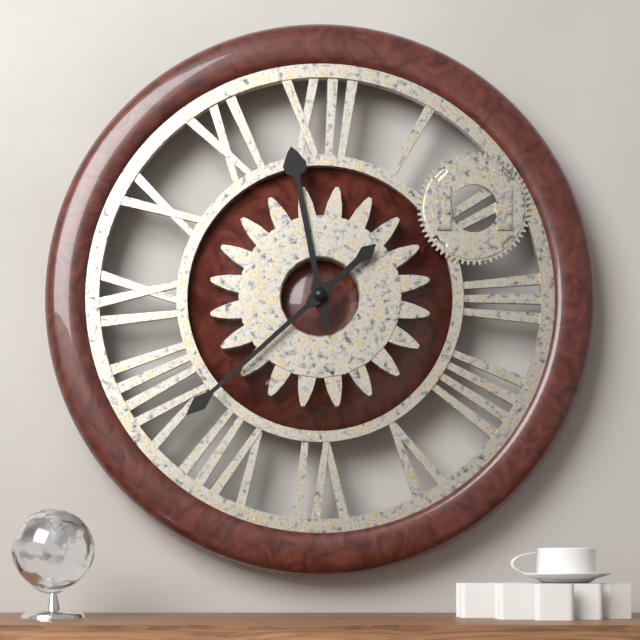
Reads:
h=11 m=38
